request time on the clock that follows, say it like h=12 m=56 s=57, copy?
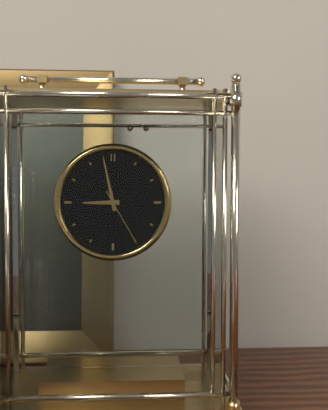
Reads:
h=8 m=58 s=25
